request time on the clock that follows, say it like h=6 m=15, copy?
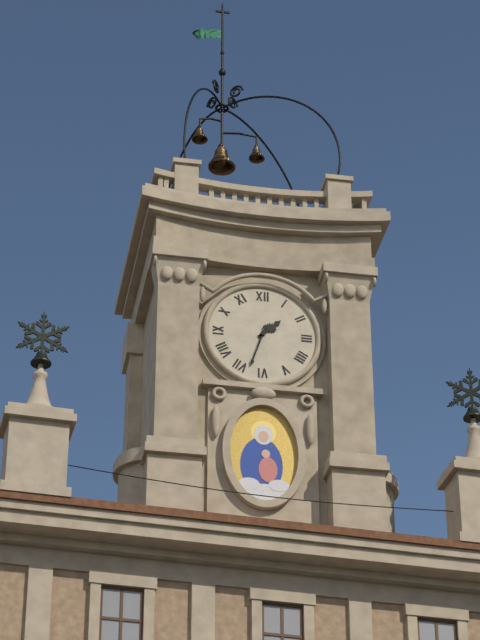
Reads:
h=1 m=33
